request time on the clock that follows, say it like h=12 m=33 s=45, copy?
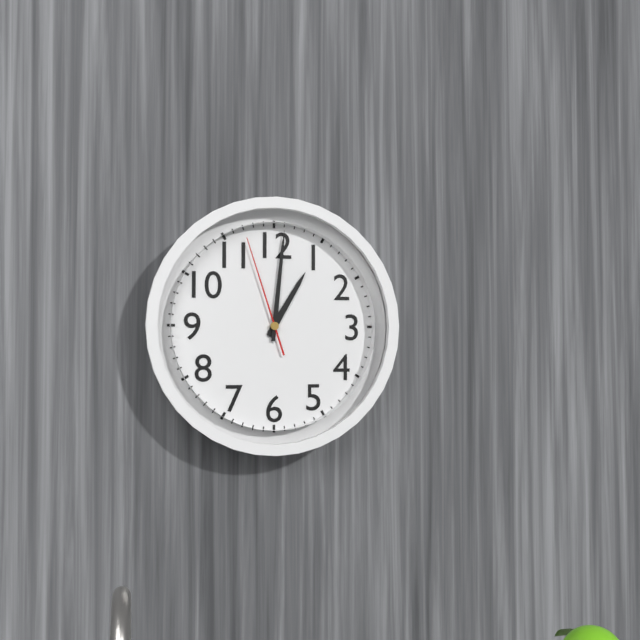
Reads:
h=1 m=1 s=57
